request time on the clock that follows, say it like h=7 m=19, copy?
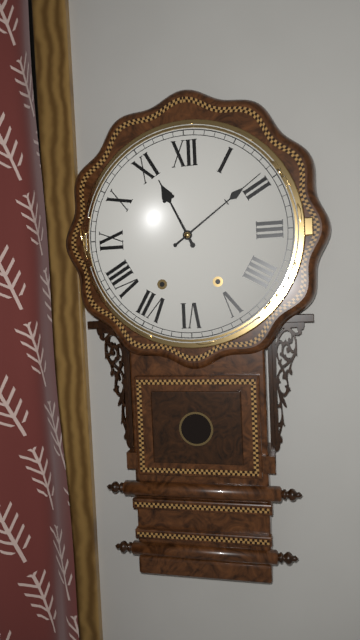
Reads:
h=11 m=9
